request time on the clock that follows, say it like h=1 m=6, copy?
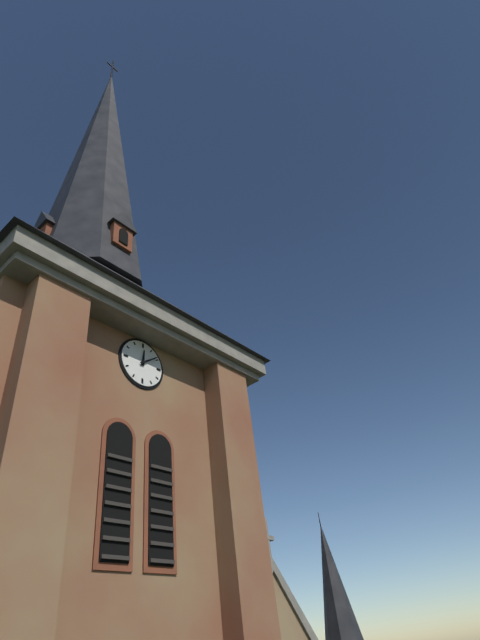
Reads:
h=12 m=9
